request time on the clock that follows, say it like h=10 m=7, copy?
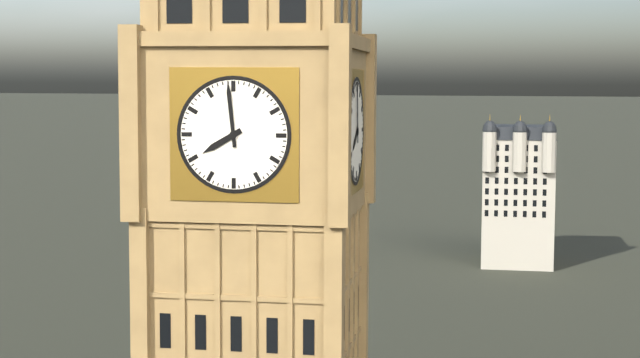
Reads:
h=7 m=59
